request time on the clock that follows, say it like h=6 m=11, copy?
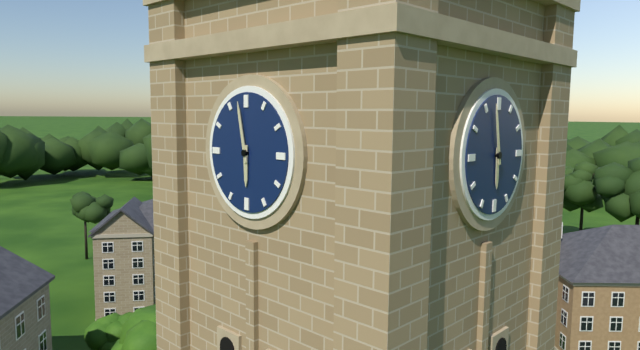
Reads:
h=5 m=58
